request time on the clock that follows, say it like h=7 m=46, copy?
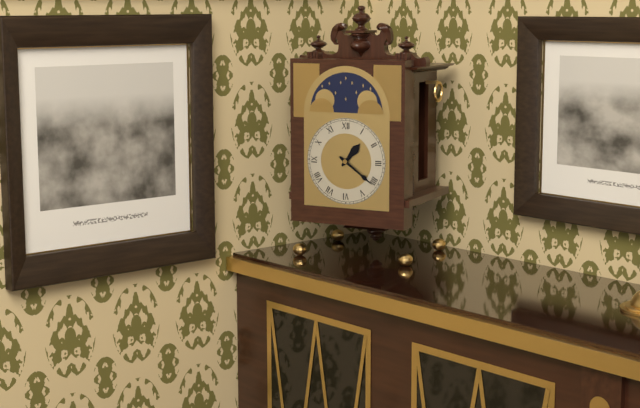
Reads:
h=1 m=21
